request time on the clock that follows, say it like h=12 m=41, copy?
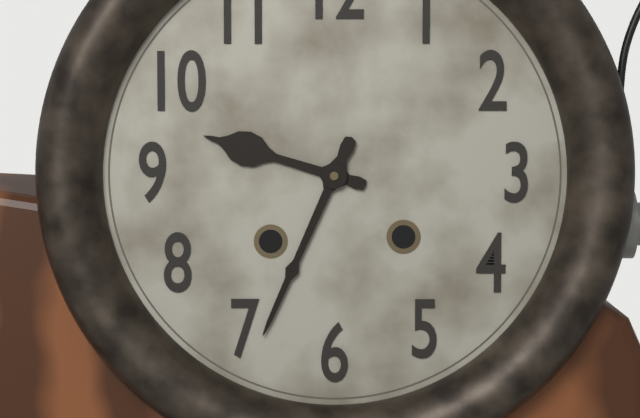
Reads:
h=9 m=34
